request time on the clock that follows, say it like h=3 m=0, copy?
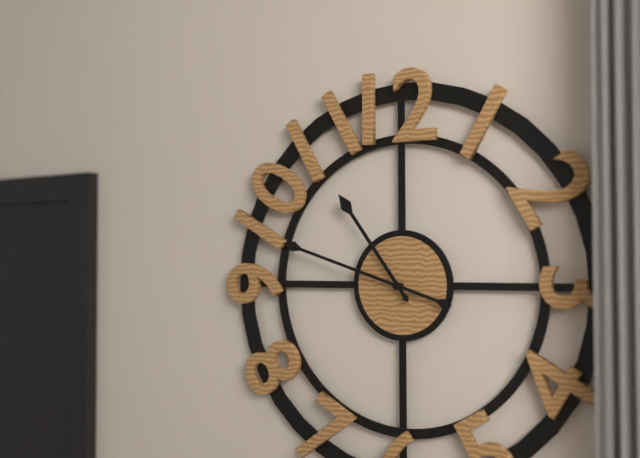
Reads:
h=10 m=48
